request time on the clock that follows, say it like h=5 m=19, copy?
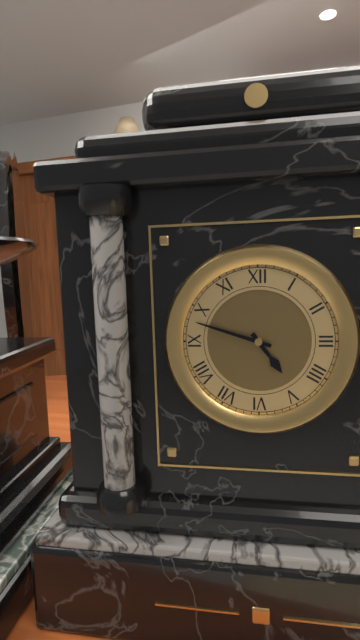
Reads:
h=4 m=48
